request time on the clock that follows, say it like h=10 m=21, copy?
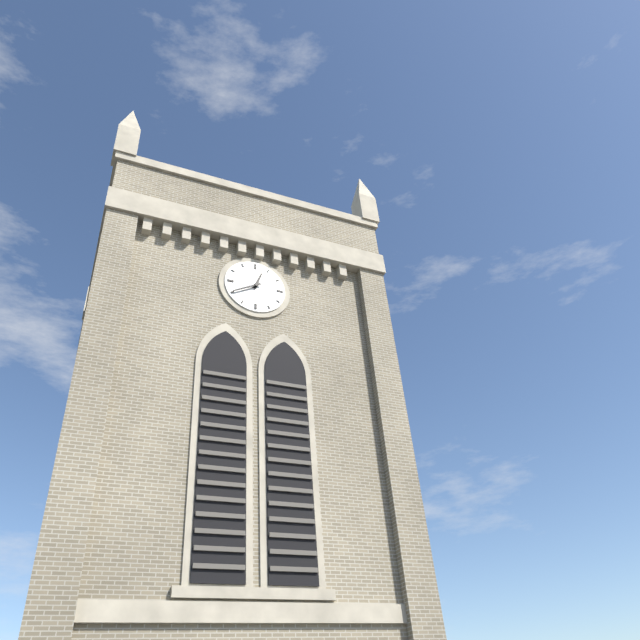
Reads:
h=12 m=40
